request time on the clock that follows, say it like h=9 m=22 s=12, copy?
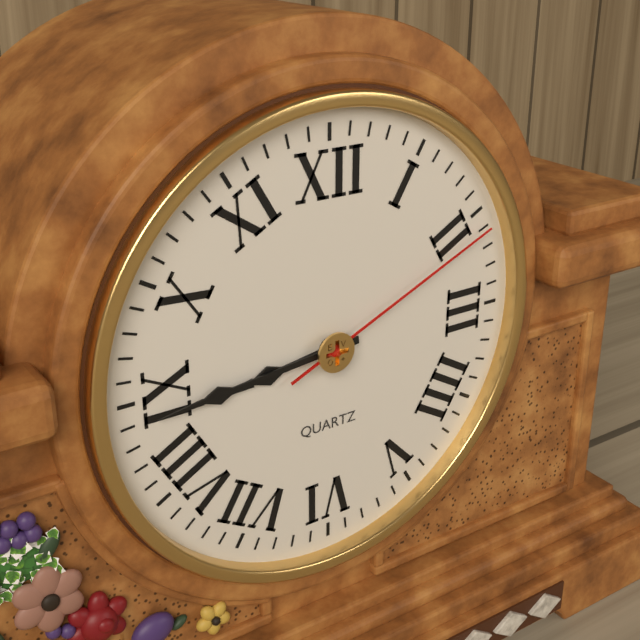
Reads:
h=8 m=44 s=11
